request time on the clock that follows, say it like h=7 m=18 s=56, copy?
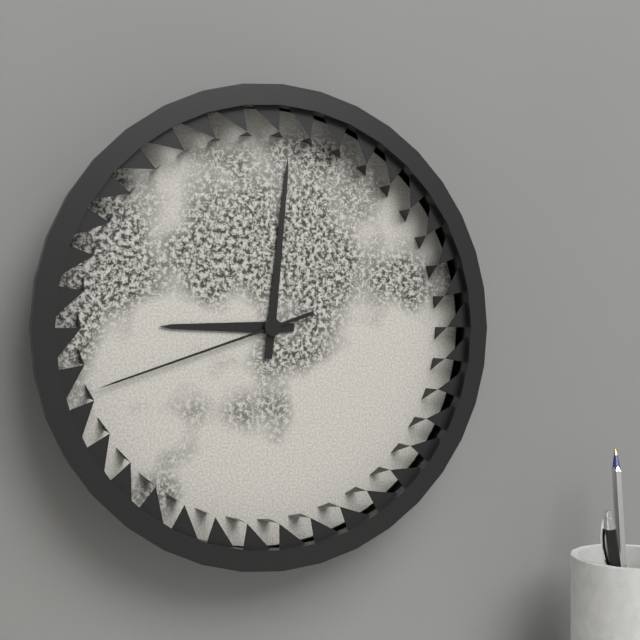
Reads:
h=9 m=1 s=42
